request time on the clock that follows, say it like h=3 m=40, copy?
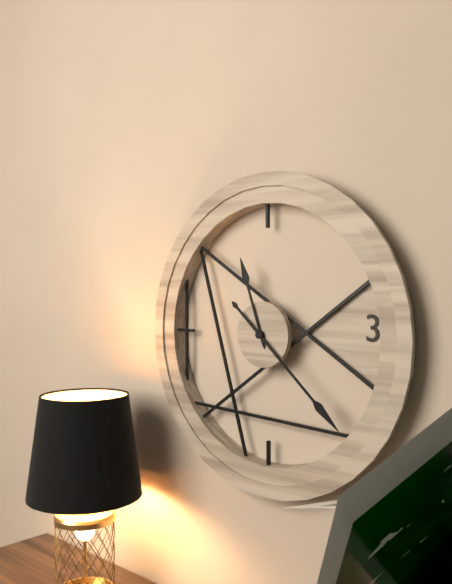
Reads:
h=11 m=22
